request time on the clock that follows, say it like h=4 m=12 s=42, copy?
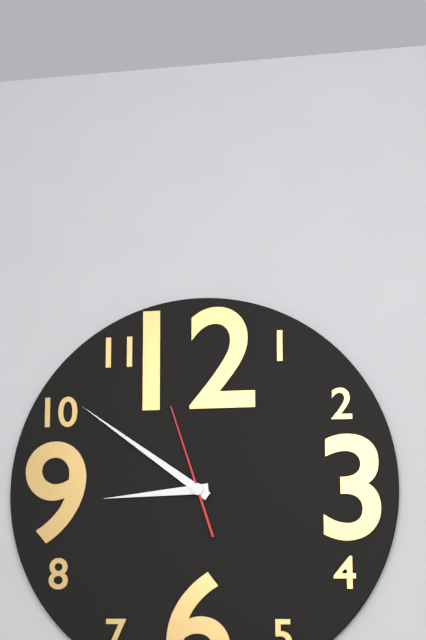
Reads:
h=8 m=51 s=57
